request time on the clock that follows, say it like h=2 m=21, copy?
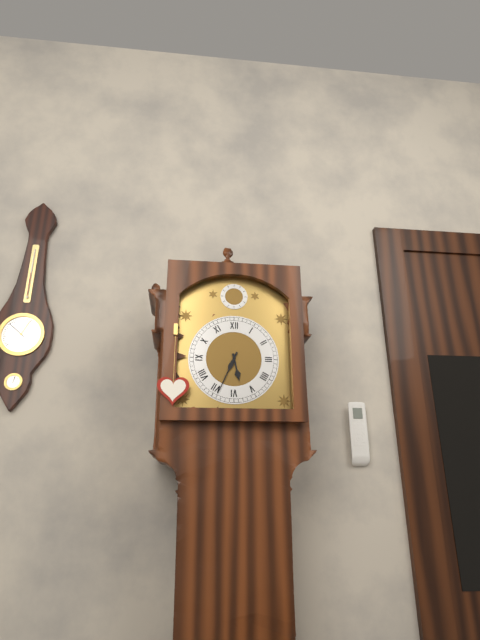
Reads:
h=5 m=34
